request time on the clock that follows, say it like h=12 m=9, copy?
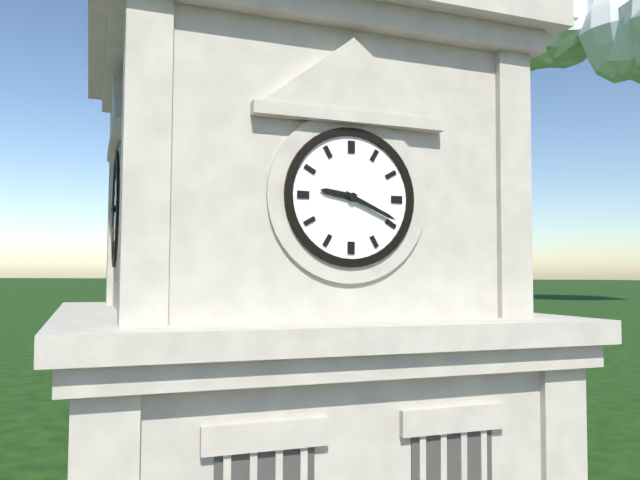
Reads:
h=9 m=19
